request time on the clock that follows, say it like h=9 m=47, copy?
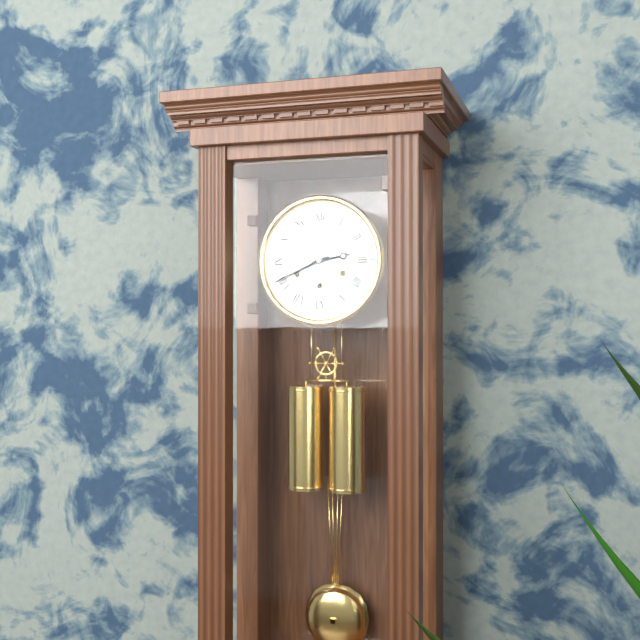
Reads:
h=2 m=41
